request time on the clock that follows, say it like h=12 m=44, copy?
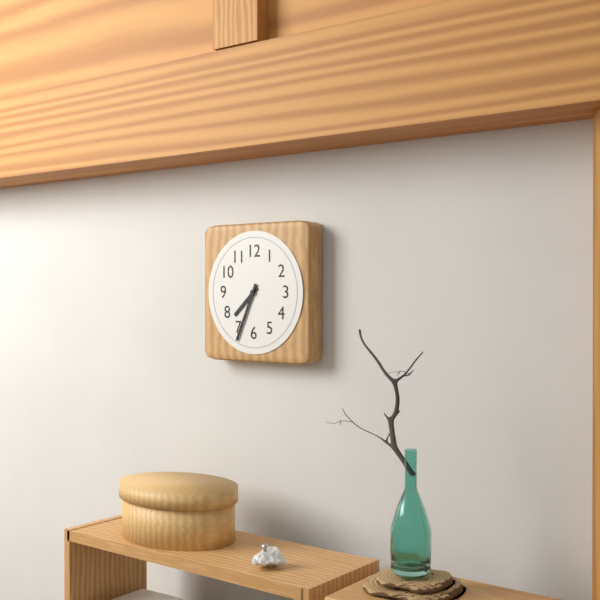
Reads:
h=7 m=34
